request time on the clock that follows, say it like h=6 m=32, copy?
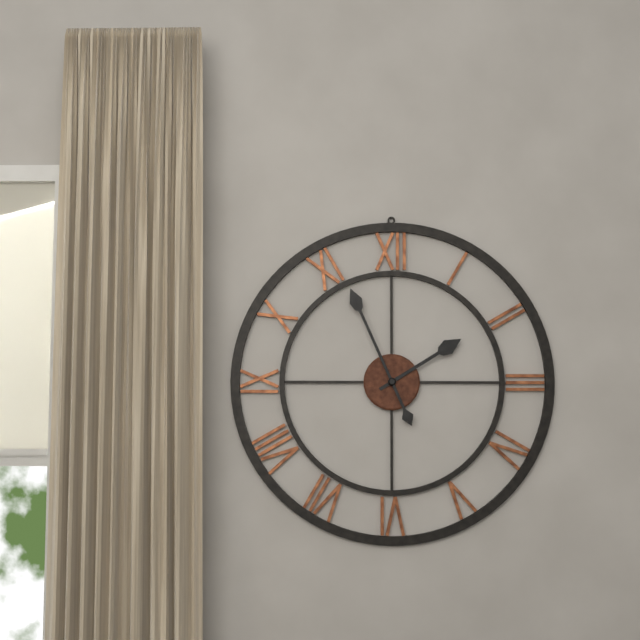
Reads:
h=1 m=56
